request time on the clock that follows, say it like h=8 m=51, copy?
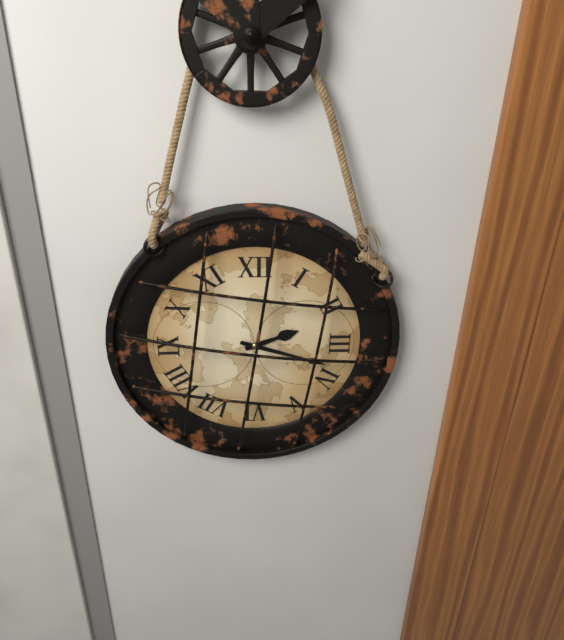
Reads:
h=2 m=18
